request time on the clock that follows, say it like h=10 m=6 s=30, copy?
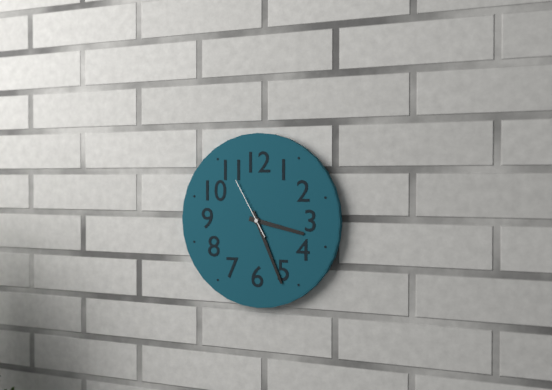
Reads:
h=3 m=26 s=55
